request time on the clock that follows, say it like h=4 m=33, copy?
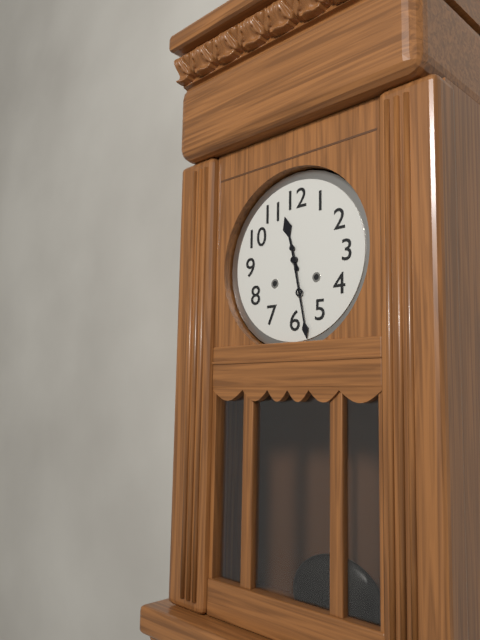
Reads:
h=11 m=28
